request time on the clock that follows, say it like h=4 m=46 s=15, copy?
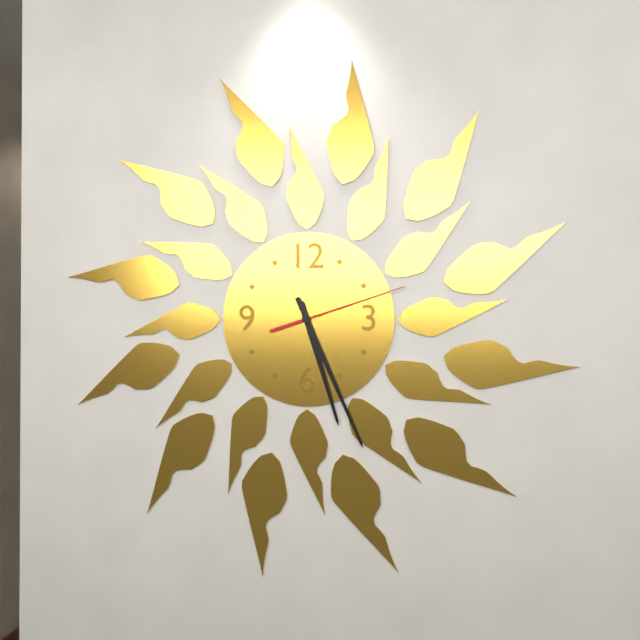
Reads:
h=5 m=26 s=12
